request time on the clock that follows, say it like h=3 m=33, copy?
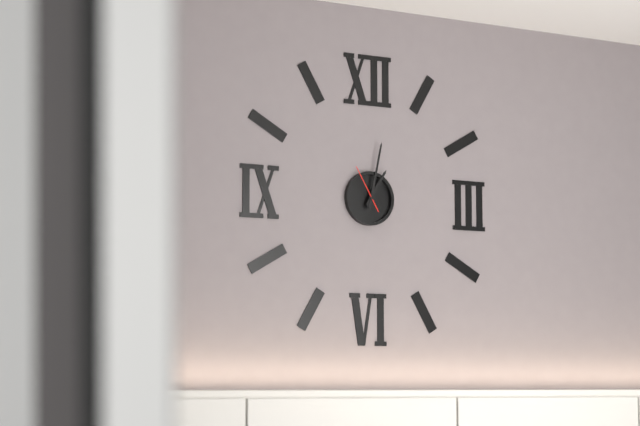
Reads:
h=1 m=2
